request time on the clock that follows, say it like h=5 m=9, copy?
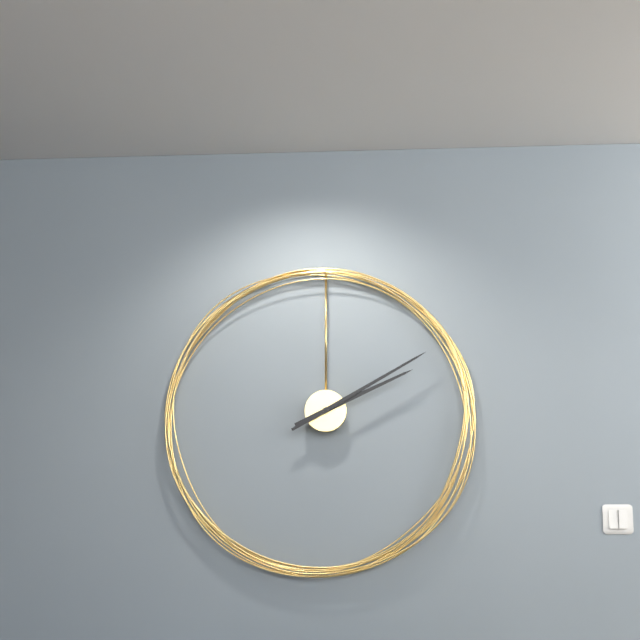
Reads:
h=2 m=10
